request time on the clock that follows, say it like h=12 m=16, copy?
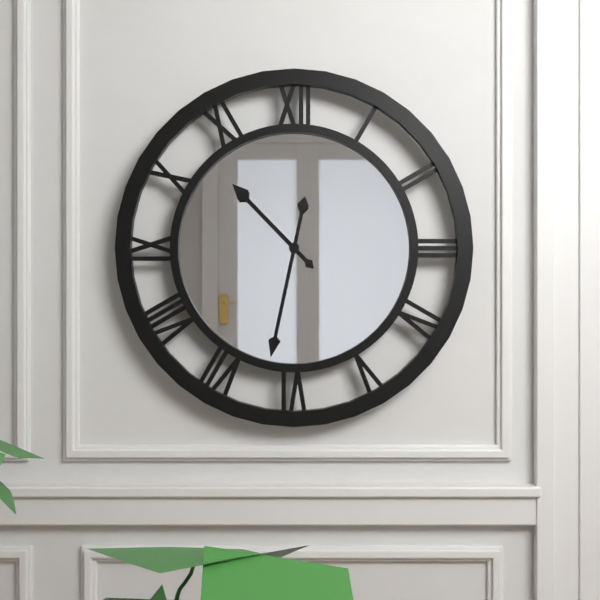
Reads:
h=10 m=32
